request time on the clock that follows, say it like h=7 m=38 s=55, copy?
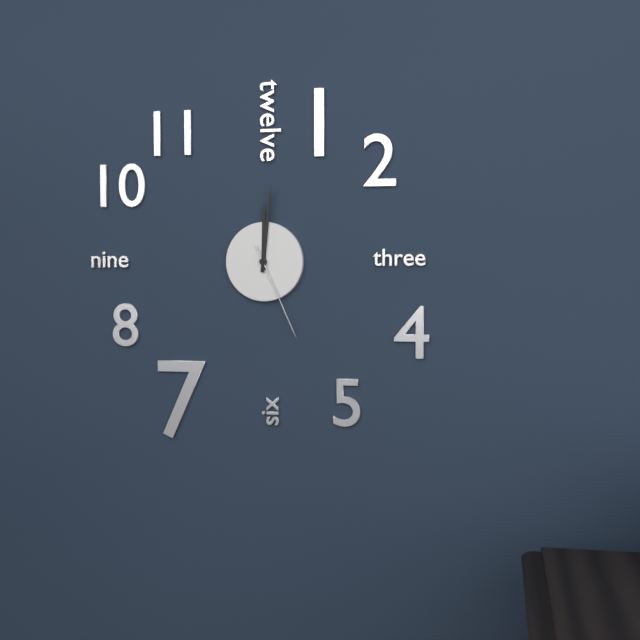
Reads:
h=12 m=1 s=26
